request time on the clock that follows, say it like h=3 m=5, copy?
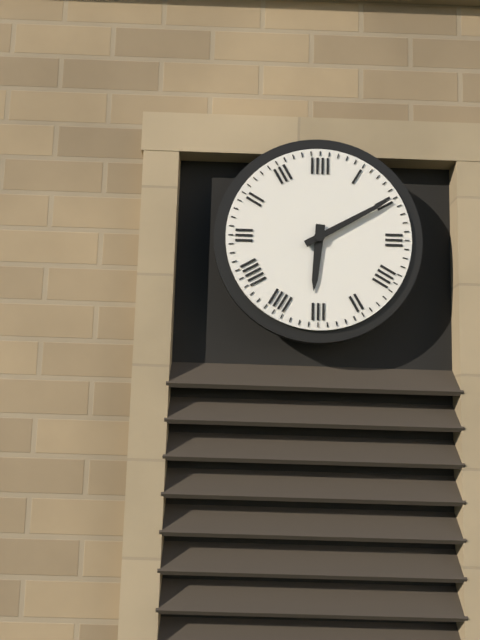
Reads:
h=6 m=10
